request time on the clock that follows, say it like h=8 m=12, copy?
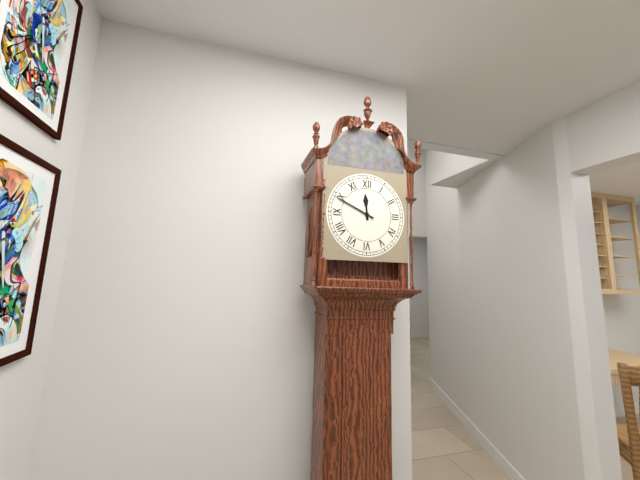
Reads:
h=11 m=49
